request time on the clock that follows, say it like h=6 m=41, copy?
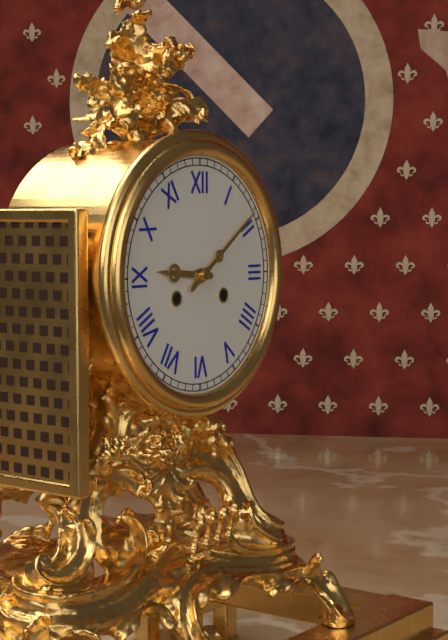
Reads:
h=9 m=9
